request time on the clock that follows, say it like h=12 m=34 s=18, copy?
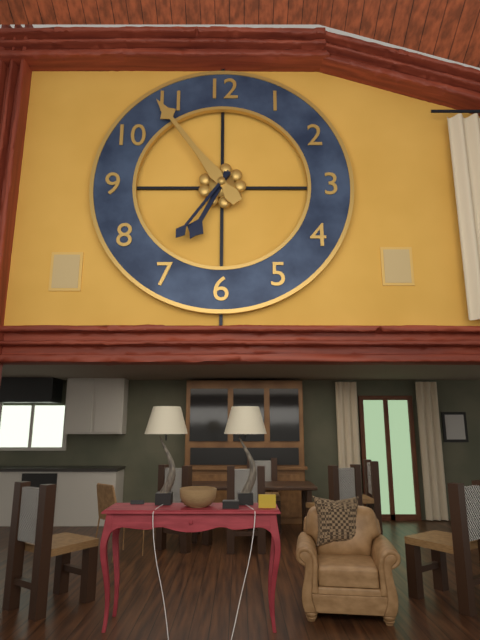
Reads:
h=6 m=54 s=36
